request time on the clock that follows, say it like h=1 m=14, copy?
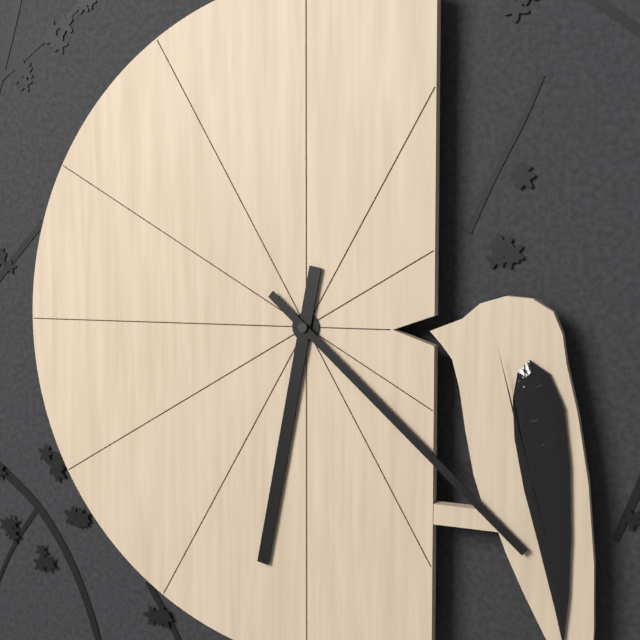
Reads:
h=6 m=22
